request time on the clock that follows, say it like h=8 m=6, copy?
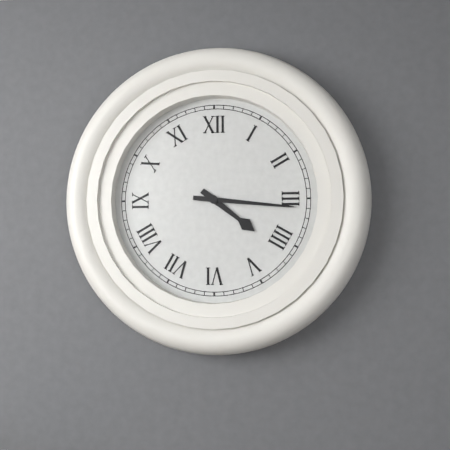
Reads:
h=4 m=16
